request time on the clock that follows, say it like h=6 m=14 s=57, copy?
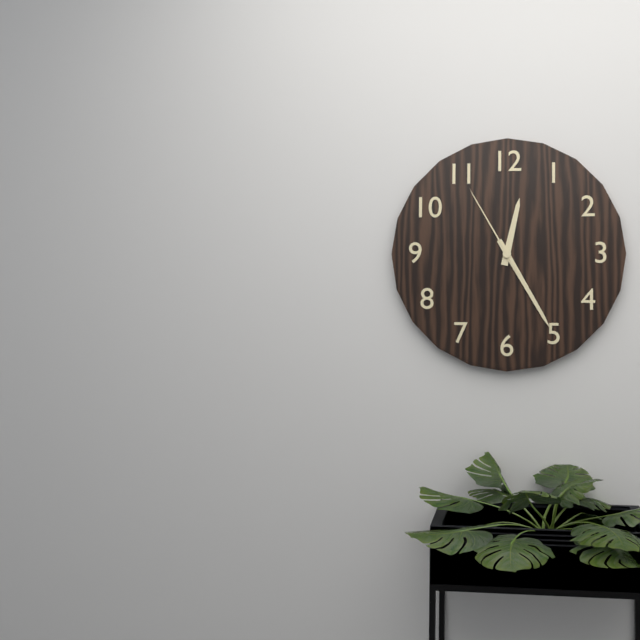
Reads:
h=12 m=25 s=55
